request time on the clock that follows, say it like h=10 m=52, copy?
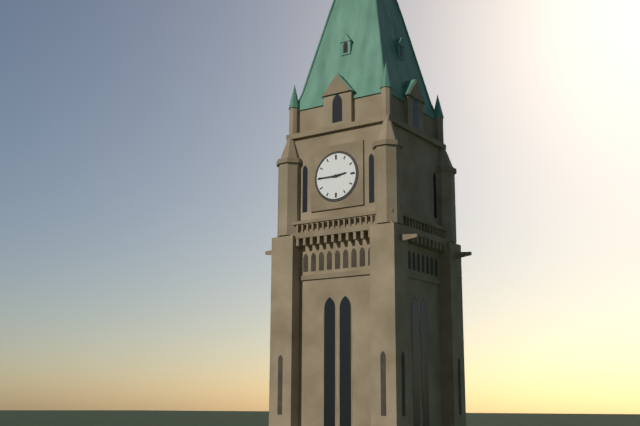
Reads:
h=2 m=45
